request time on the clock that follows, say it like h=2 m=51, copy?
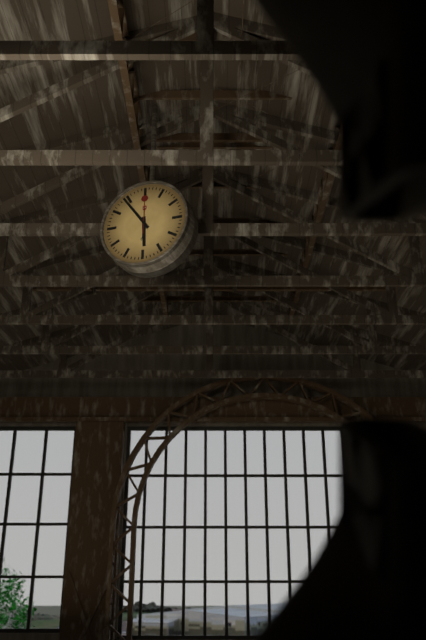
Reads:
h=5 m=54
